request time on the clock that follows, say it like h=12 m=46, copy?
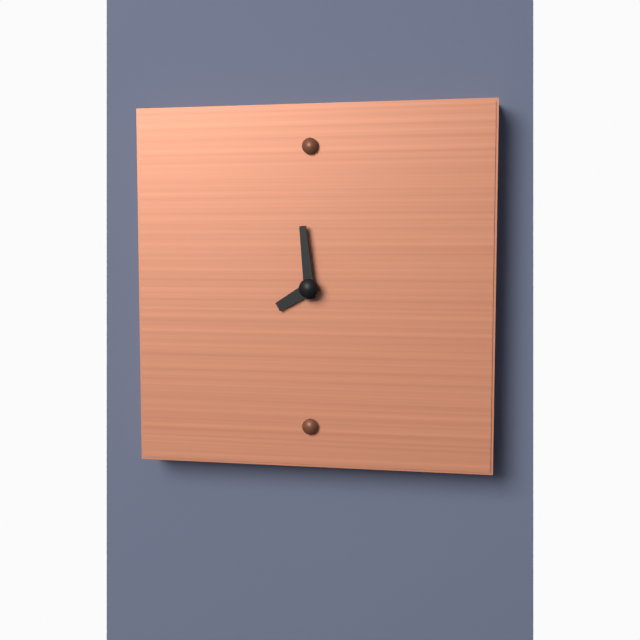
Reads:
h=7 m=59
